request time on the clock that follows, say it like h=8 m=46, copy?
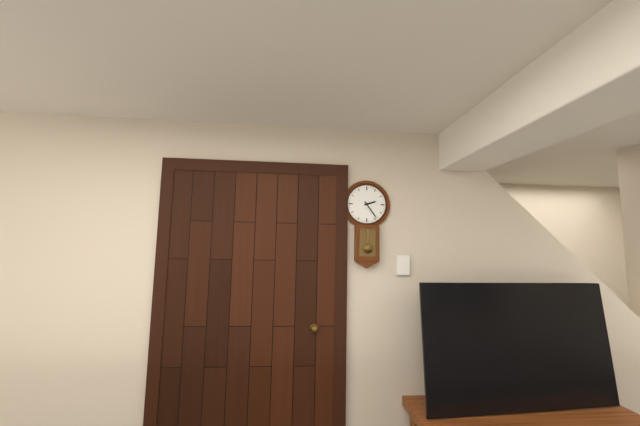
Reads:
h=2 m=24
